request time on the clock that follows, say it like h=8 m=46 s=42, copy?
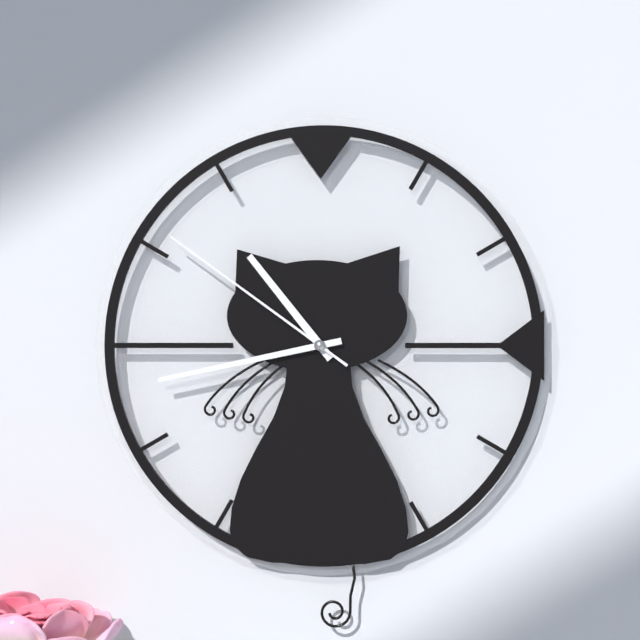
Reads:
h=10 m=43 s=51
